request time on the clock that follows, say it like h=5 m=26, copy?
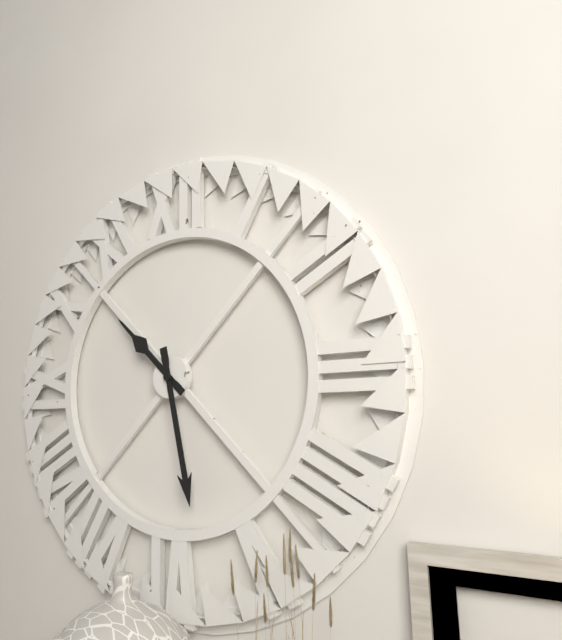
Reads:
h=10 m=28
